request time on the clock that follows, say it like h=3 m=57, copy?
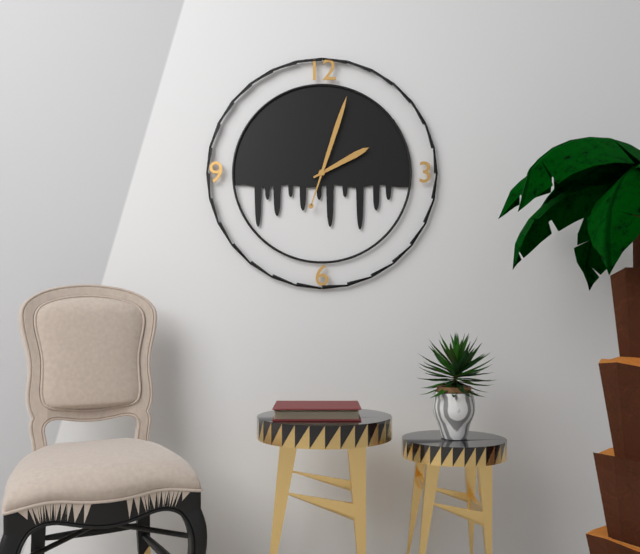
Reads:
h=2 m=3
